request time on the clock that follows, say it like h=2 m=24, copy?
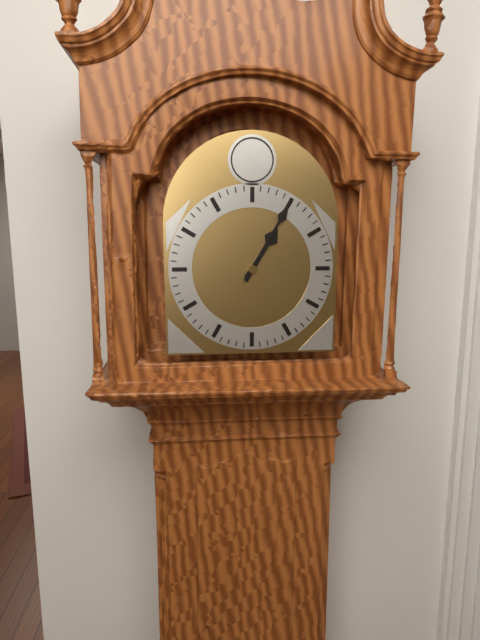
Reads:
h=1 m=5
